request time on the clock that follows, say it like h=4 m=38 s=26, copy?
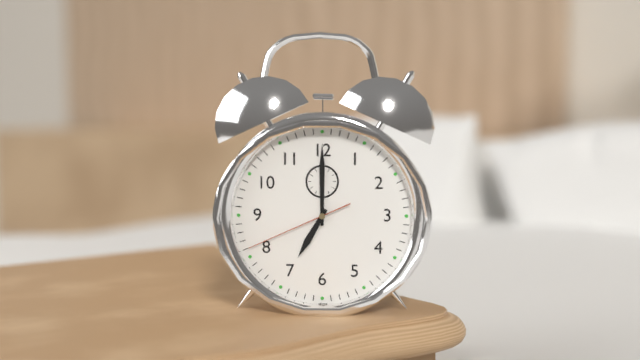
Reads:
h=7 m=0 s=41
